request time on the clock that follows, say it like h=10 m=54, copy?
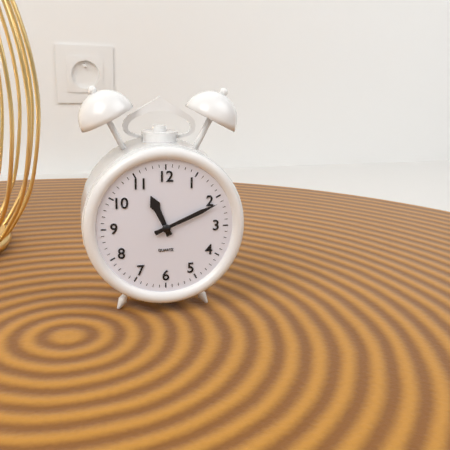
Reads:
h=11 m=11
